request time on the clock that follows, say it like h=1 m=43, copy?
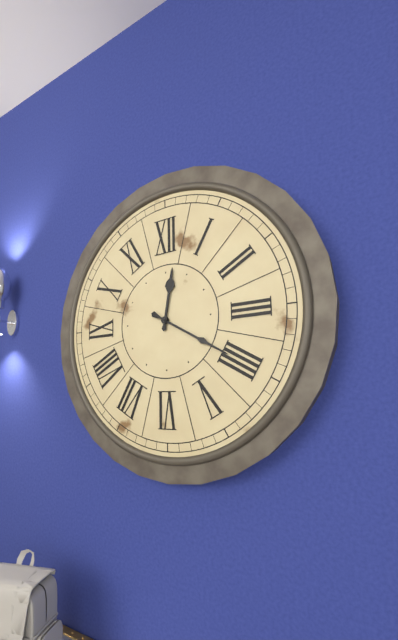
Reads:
h=12 m=20
